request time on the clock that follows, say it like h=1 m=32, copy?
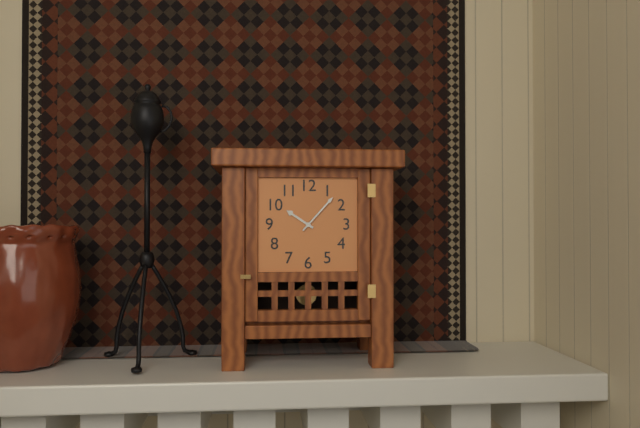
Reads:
h=10 m=7
